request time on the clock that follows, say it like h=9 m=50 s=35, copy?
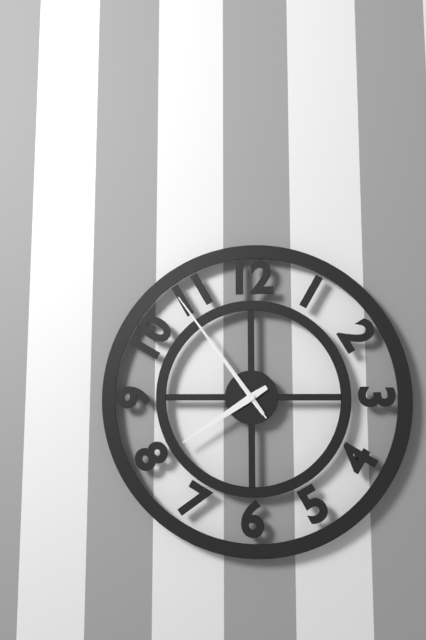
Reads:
h=7 m=54 s=54
